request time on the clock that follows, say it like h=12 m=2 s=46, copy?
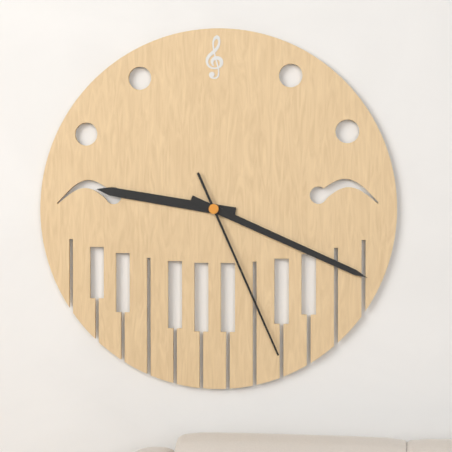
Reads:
h=9 m=19 s=26
